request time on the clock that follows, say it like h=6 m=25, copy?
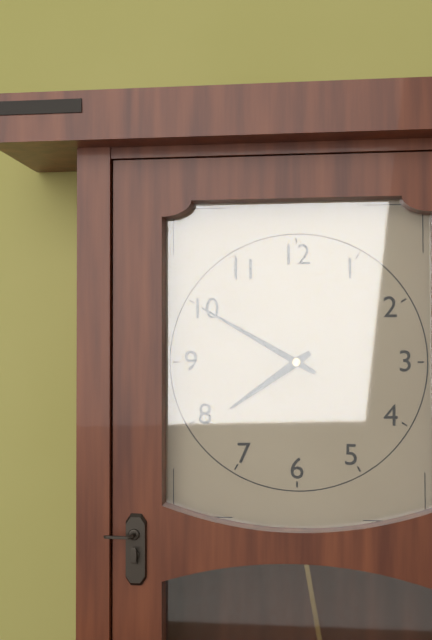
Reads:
h=7 m=50
